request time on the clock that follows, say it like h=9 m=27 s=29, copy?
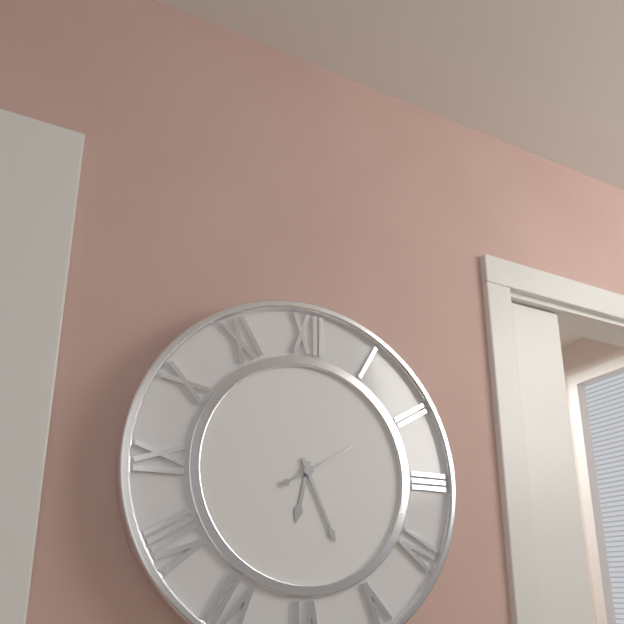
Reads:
h=6 m=26 s=10
